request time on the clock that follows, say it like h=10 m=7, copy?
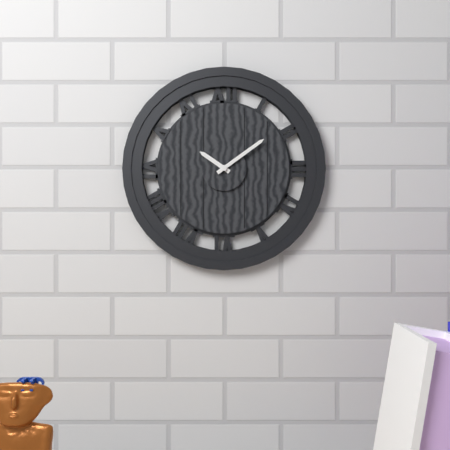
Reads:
h=10 m=9
